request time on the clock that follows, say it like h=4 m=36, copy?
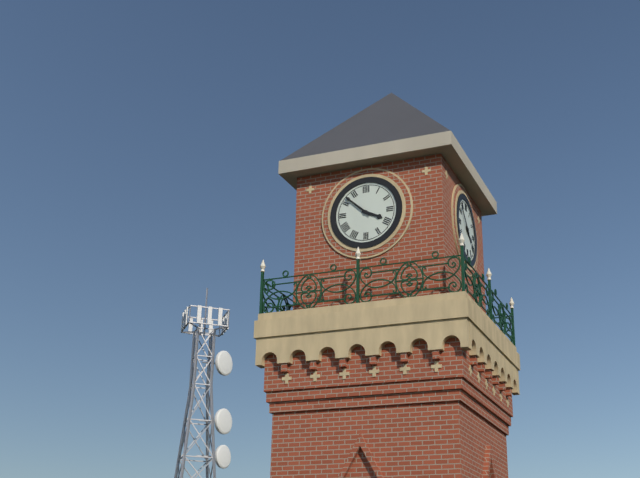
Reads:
h=3 m=52
